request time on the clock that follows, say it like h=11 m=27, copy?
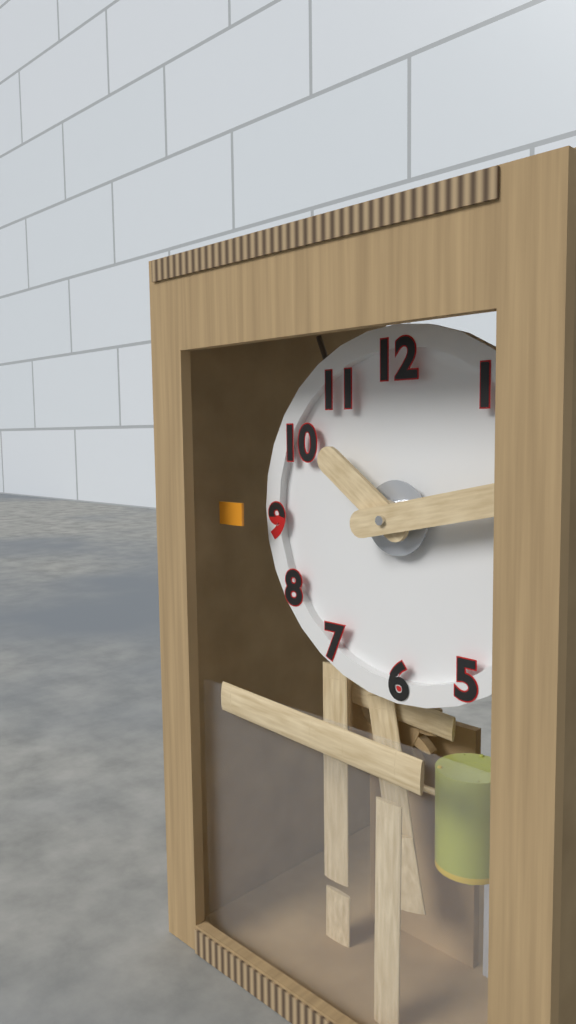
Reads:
h=10 m=13
